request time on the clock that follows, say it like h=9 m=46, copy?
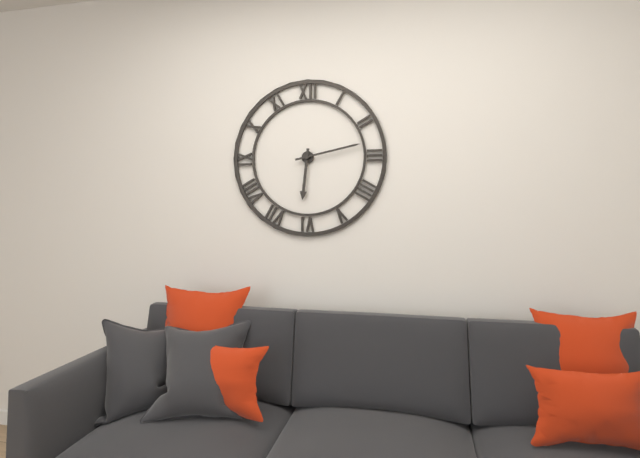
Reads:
h=6 m=13
